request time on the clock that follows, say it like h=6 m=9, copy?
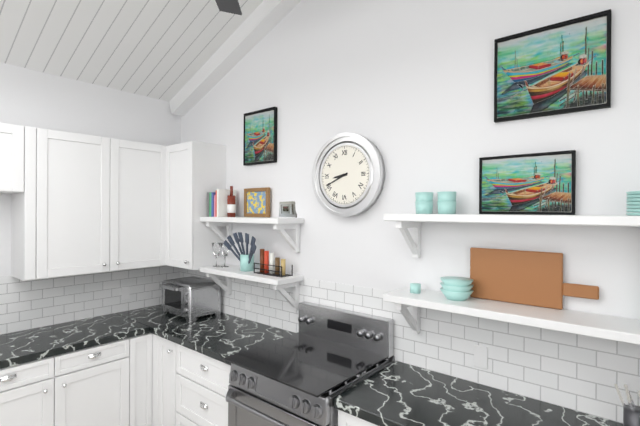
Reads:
h=8 m=41
